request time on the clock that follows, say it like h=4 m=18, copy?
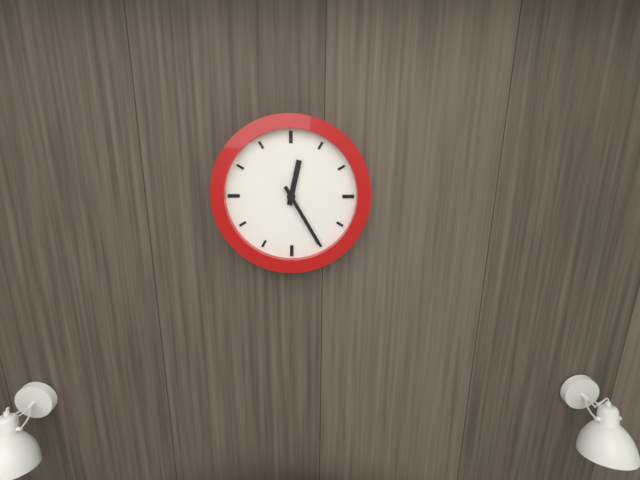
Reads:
h=12 m=25
